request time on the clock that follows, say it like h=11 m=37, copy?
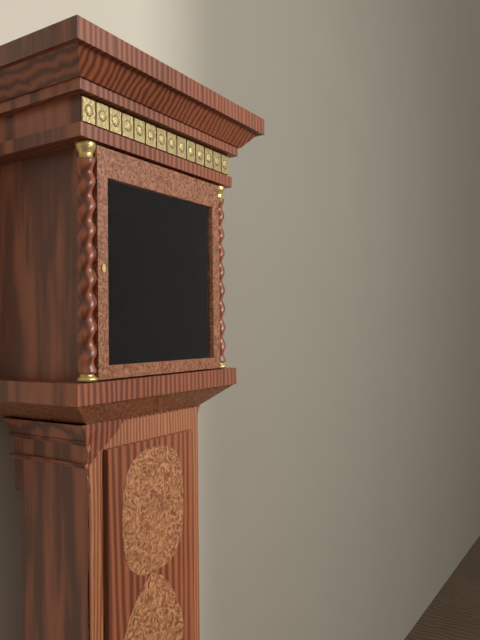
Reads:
h=8 m=1
